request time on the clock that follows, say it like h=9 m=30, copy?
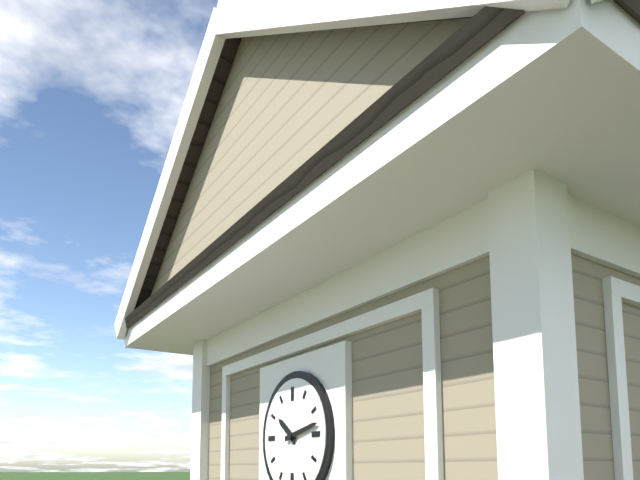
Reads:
h=10 m=13
